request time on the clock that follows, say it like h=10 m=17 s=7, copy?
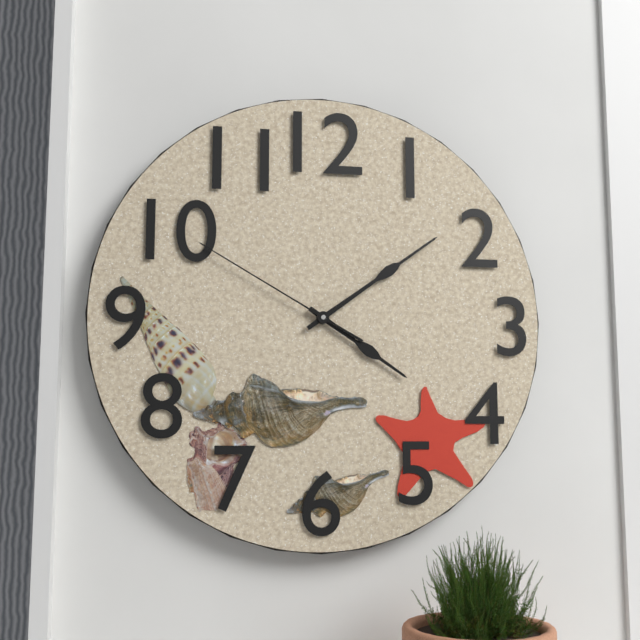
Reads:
h=4 m=9 s=50
